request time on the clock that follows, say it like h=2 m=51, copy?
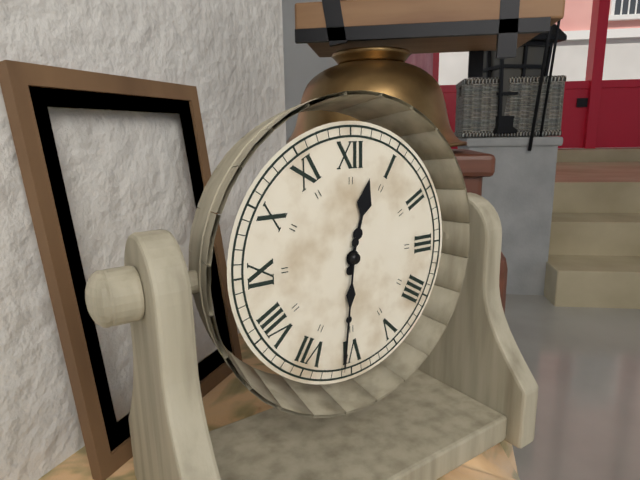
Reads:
h=12 m=31
